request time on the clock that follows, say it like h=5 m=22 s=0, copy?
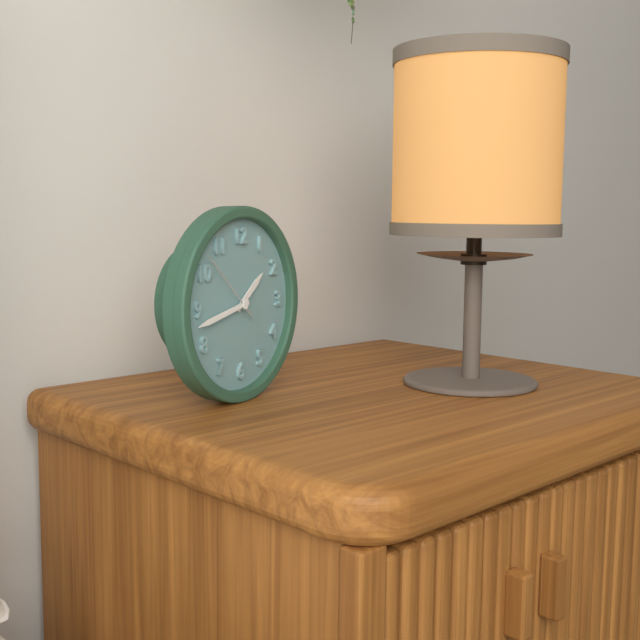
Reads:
h=1 m=43 s=52
